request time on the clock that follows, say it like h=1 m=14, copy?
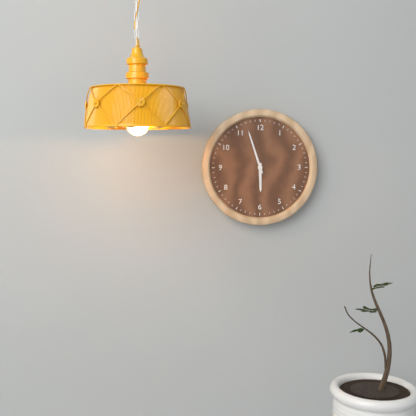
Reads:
h=5 m=57
